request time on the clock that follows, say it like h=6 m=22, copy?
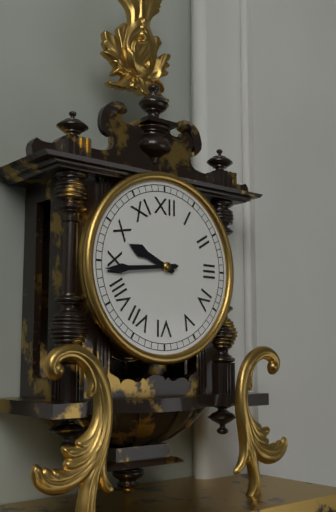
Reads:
h=9 m=44
